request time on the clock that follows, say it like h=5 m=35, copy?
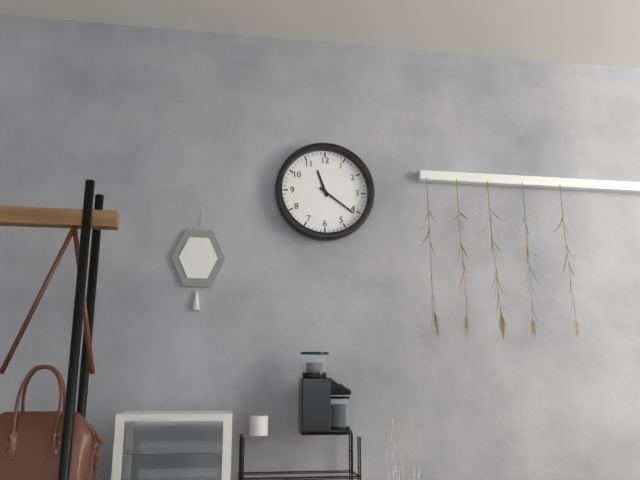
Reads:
h=11 m=21
